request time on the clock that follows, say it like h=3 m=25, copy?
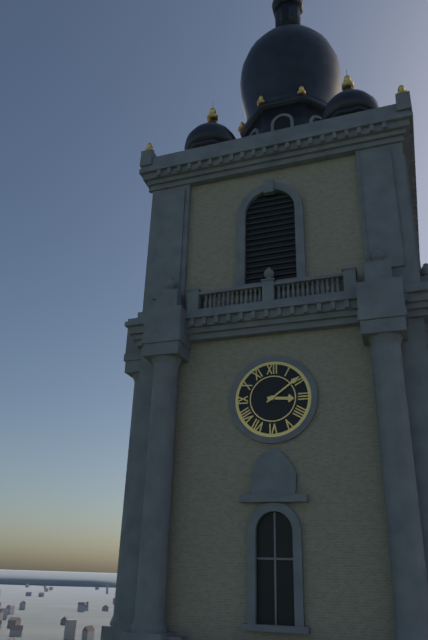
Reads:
h=3 m=9
